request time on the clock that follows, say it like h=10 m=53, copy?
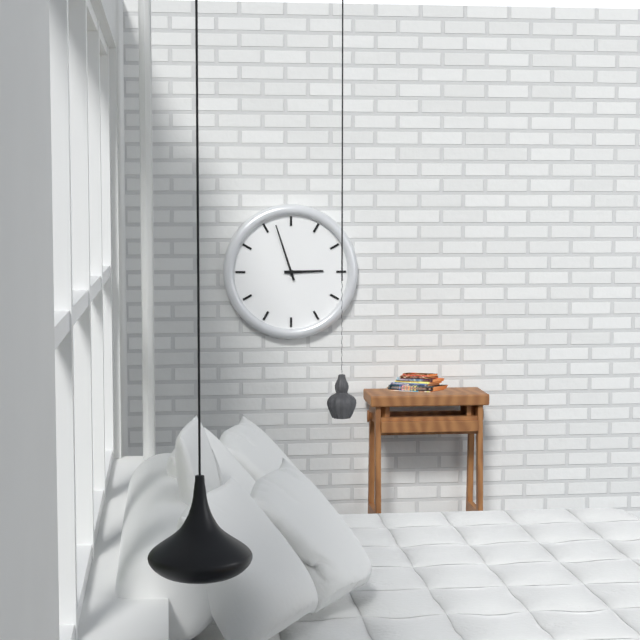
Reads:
h=2 m=57
